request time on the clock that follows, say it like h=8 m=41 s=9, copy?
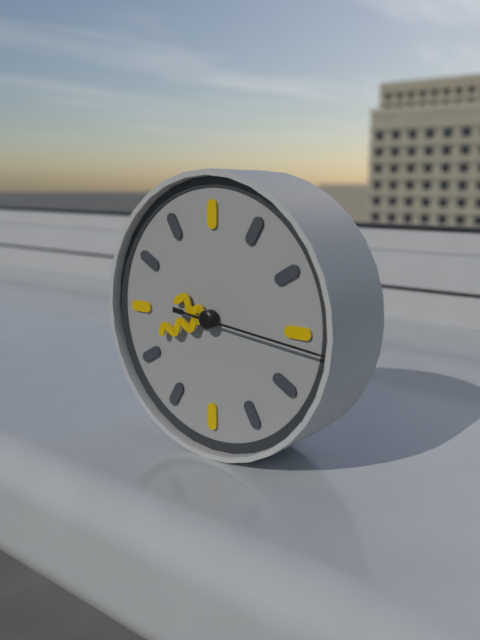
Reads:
h=9 m=42 s=16
